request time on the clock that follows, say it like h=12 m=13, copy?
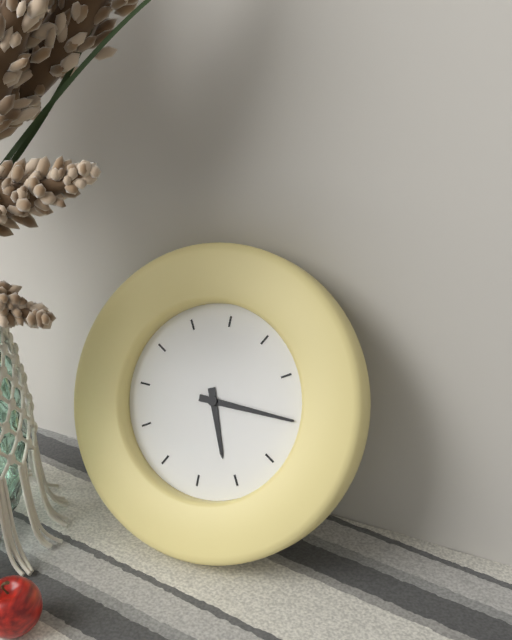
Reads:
h=5 m=15
